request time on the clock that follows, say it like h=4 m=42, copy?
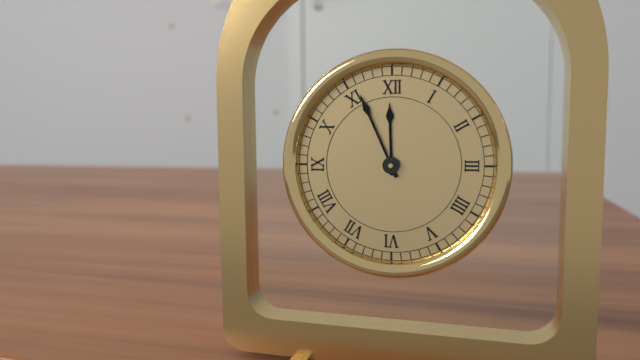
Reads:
h=11 m=56
